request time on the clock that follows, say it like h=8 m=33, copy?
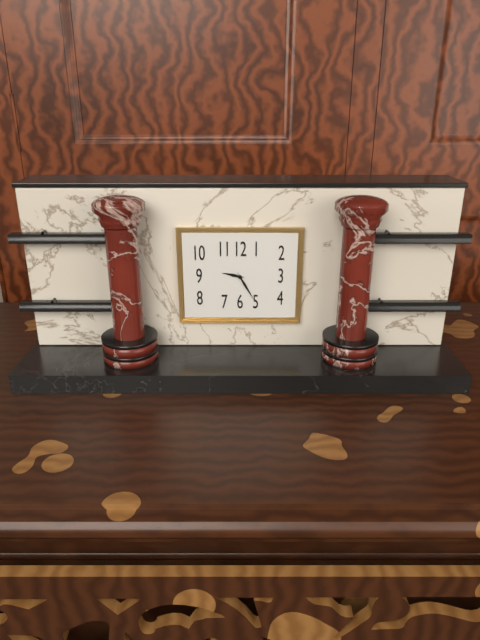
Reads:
h=9 m=25
